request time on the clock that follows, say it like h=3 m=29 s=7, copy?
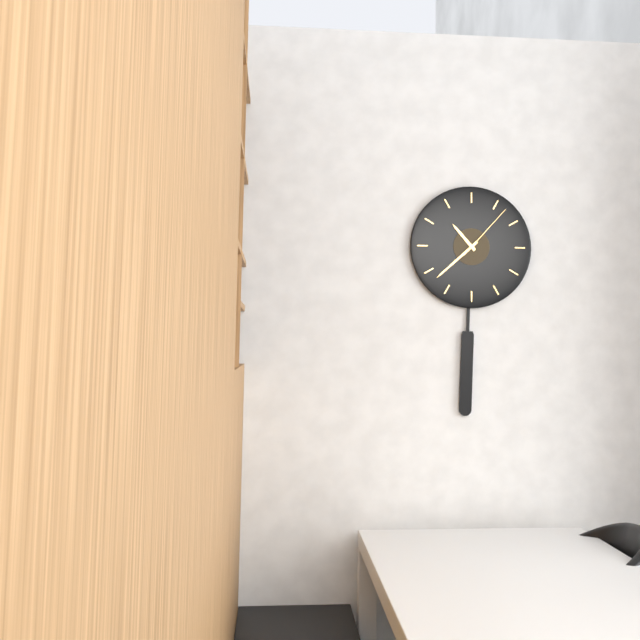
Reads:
h=10 m=38 s=7
